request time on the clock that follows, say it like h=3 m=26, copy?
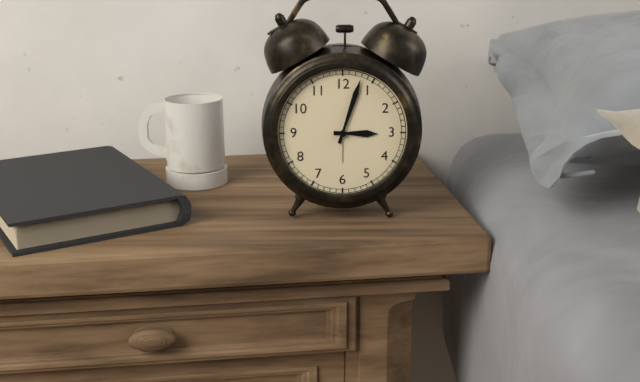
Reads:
h=3 m=3
